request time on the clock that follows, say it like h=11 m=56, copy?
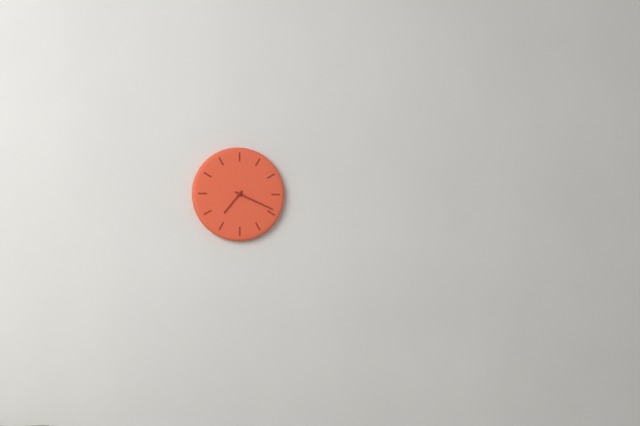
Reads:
h=7 m=19
